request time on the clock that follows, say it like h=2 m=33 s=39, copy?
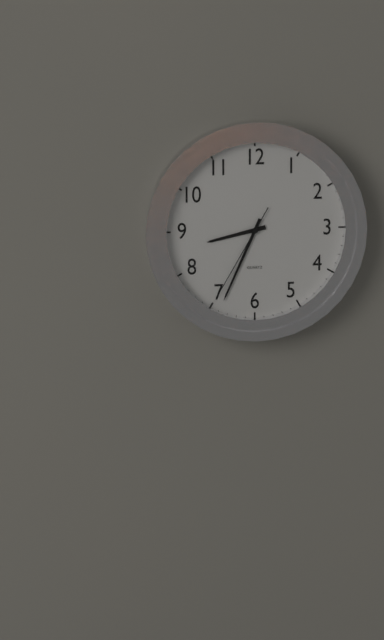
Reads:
h=8 m=34 s=35
